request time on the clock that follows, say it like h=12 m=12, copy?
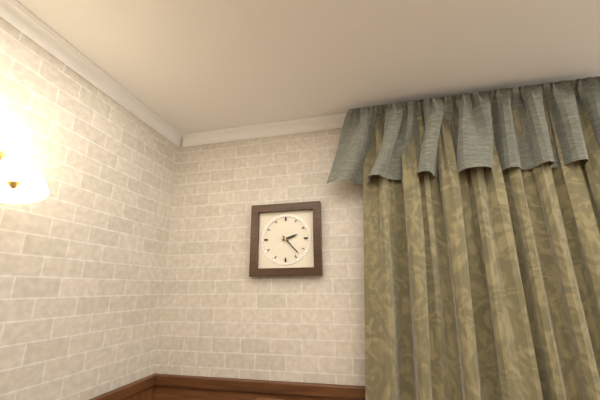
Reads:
h=2 m=23
